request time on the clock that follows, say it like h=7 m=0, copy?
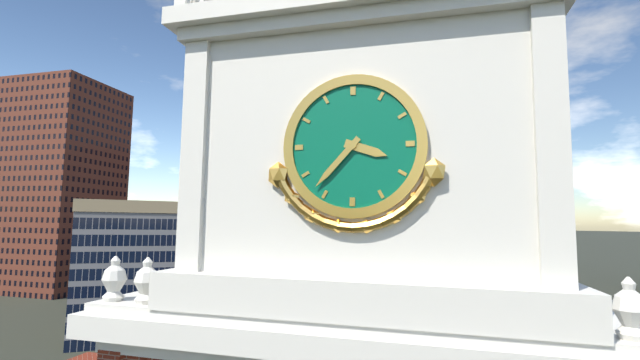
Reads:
h=3 m=37
